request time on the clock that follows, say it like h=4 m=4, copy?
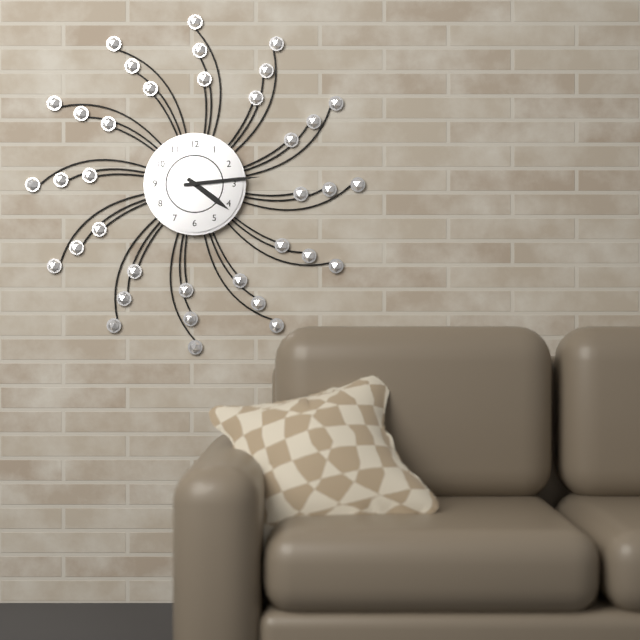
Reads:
h=4 m=14
